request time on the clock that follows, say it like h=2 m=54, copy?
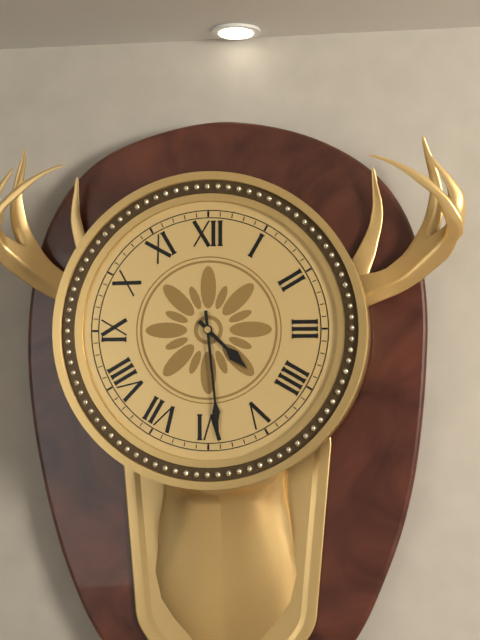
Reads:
h=4 m=29
